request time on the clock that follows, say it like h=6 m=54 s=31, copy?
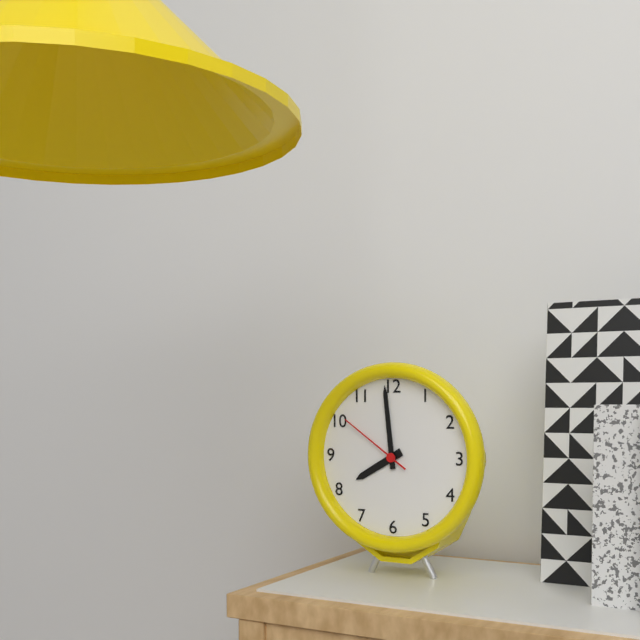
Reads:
h=7 m=59 s=51
